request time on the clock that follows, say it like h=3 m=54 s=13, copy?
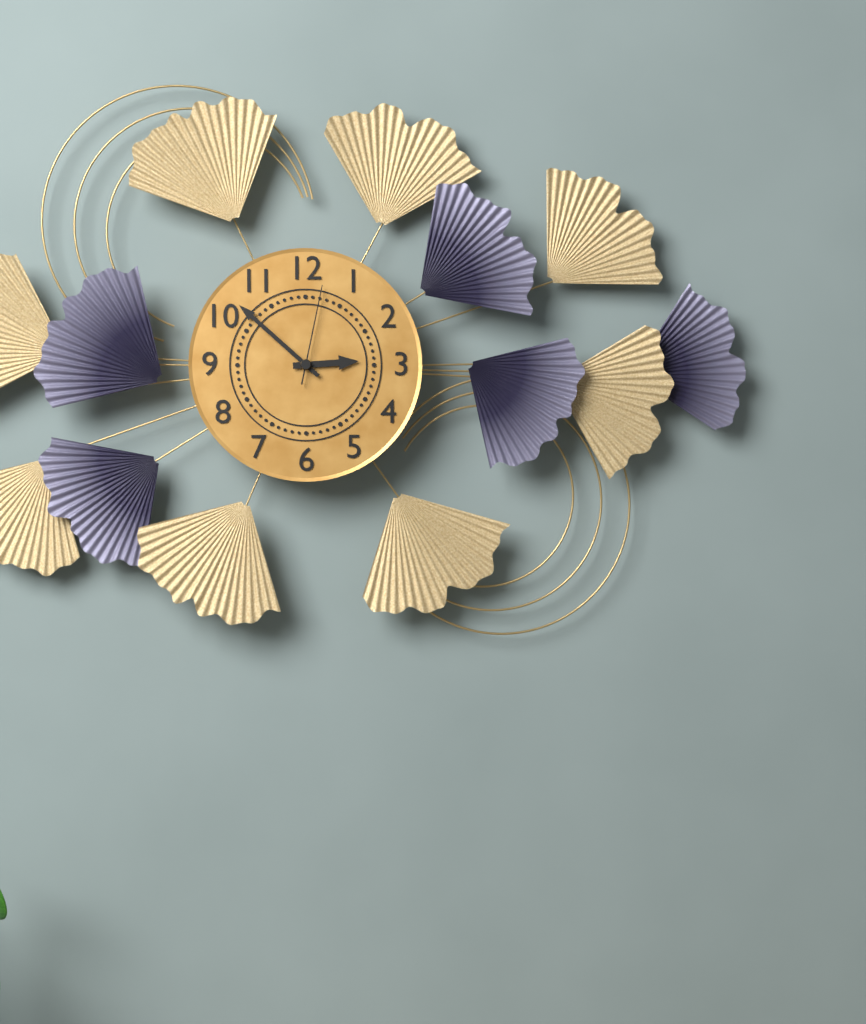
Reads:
h=2 m=52 s=2
